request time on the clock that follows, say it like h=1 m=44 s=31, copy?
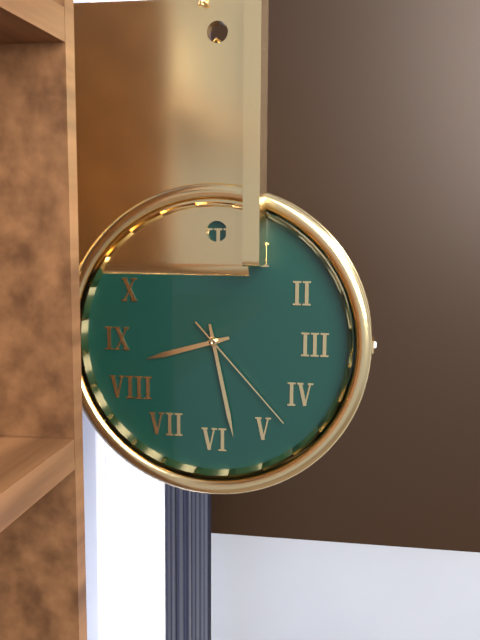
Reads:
h=8 m=28 s=23
